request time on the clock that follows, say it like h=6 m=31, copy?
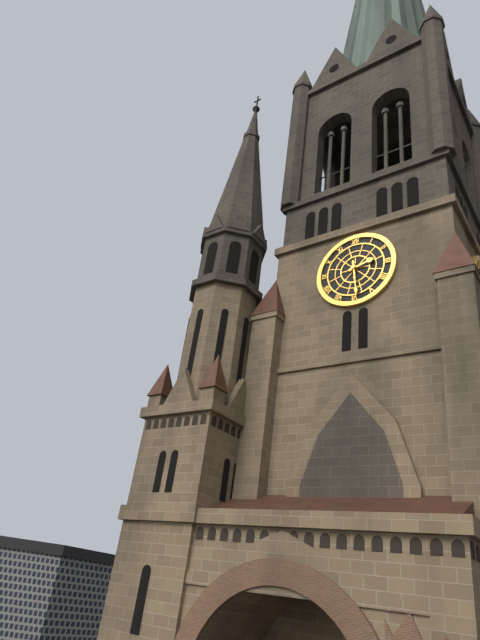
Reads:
h=2 m=29
